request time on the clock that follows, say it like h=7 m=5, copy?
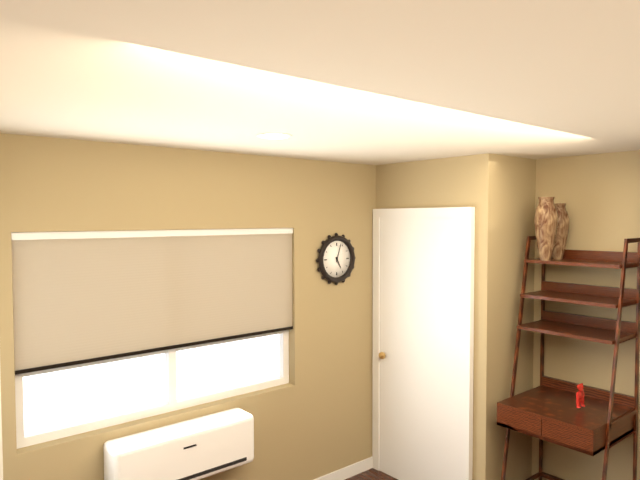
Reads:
h=5 m=3
